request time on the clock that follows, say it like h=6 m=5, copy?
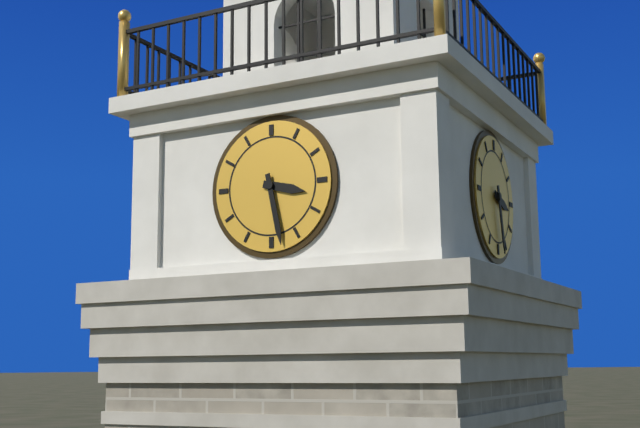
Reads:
h=3 m=28
